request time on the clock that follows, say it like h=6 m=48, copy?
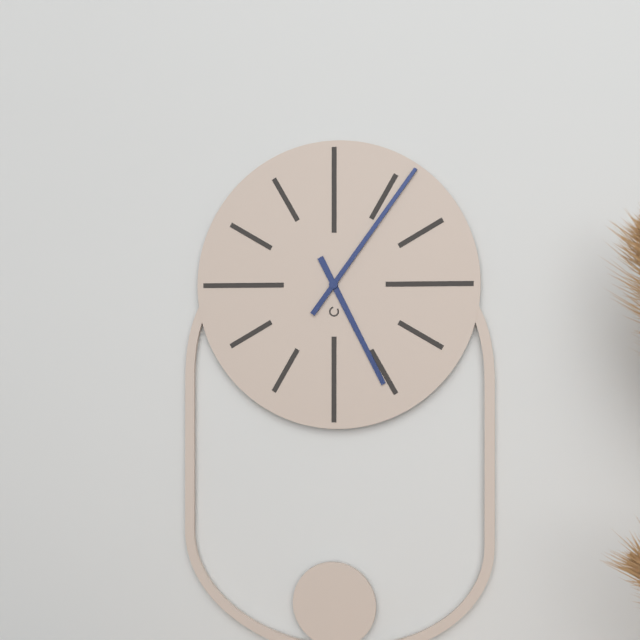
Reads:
h=5 m=6
